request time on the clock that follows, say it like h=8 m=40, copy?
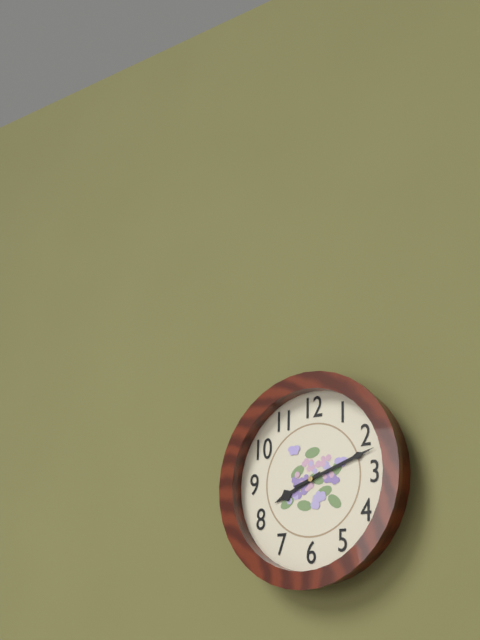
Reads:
h=8 m=12
